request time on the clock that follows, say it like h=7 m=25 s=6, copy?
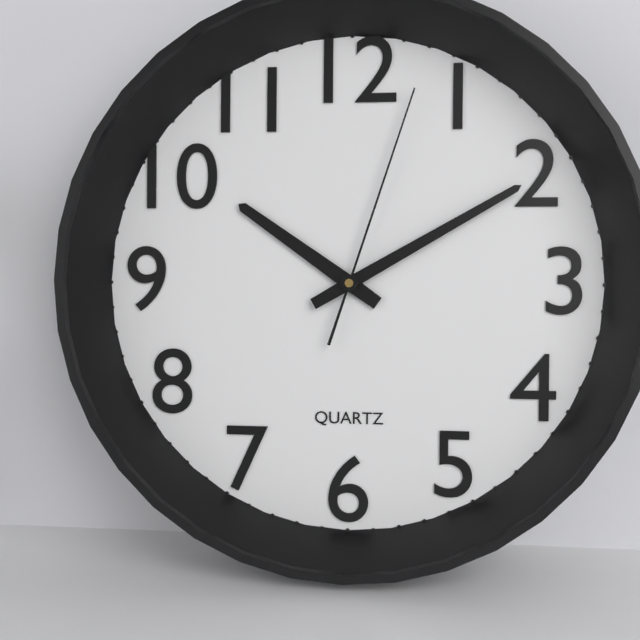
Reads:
h=10 m=10 s=3
